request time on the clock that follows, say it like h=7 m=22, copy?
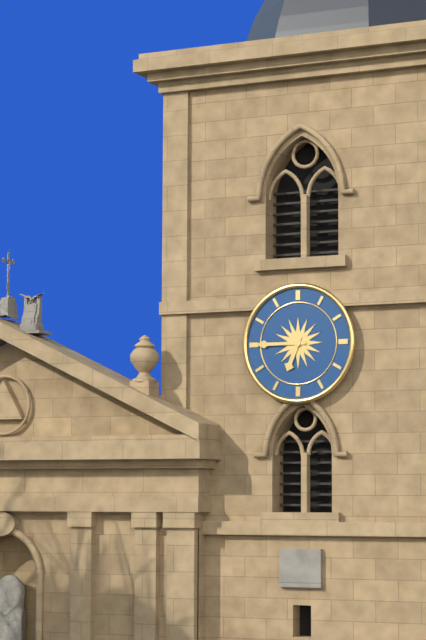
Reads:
h=6 m=45
